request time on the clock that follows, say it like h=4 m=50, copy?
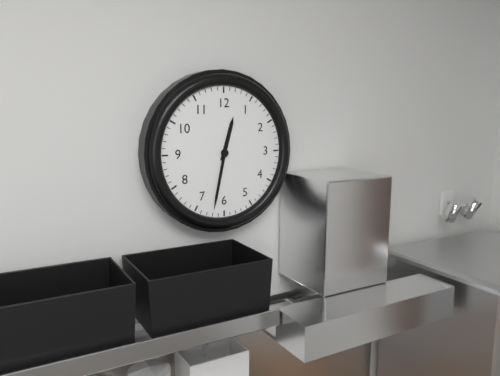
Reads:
h=12 m=32
